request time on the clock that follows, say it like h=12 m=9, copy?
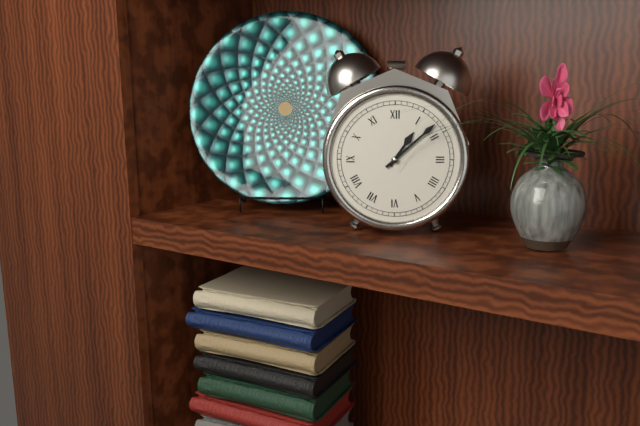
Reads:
h=1 m=8
